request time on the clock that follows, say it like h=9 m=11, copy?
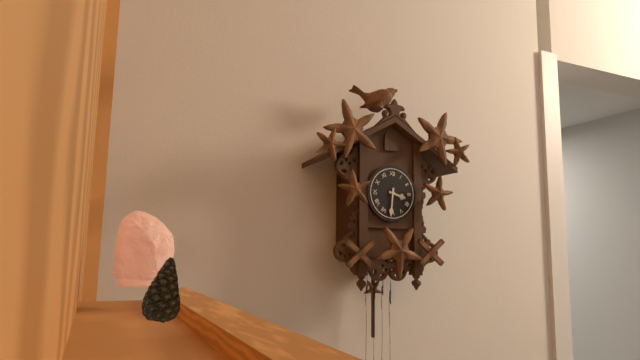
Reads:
h=3 m=31
